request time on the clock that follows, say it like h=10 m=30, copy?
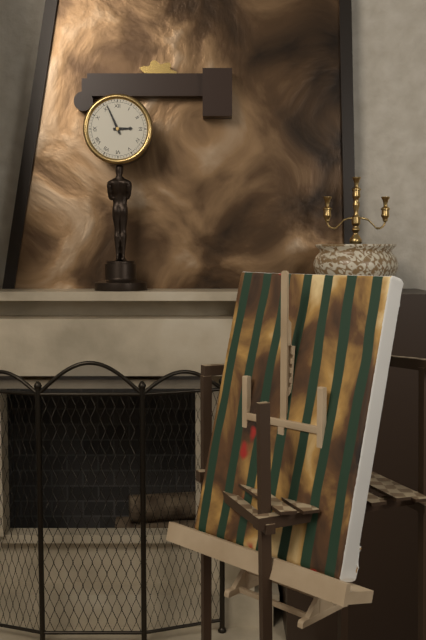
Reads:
h=2 m=56
